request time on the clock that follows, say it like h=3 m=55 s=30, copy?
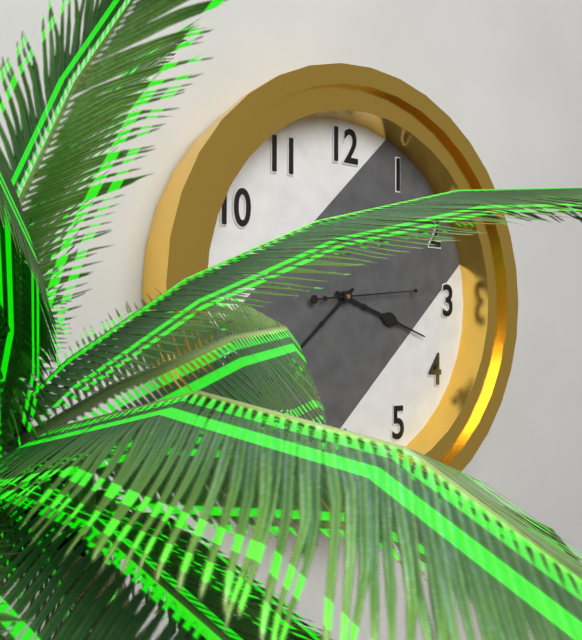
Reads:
h=3 m=38 s=14
